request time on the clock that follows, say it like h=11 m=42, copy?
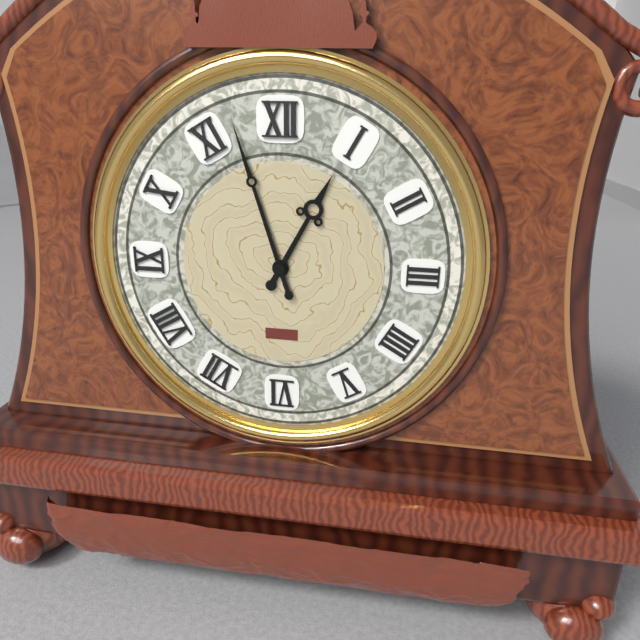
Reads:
h=12 m=57
